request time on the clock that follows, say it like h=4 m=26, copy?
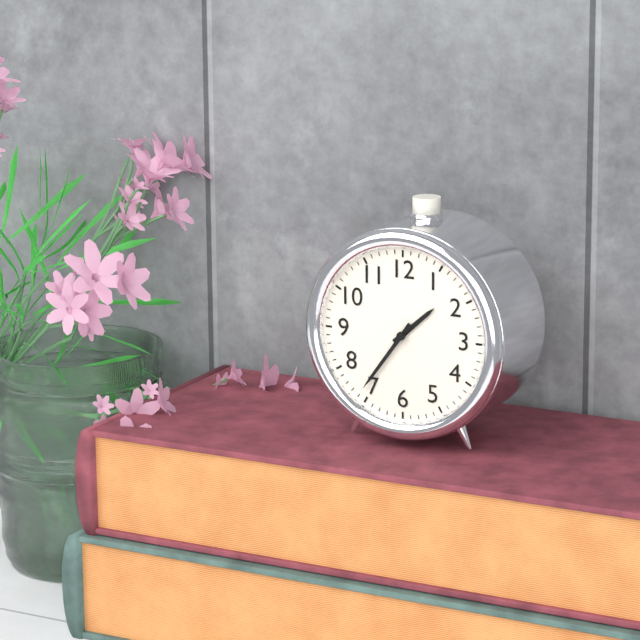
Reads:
h=1 m=36
